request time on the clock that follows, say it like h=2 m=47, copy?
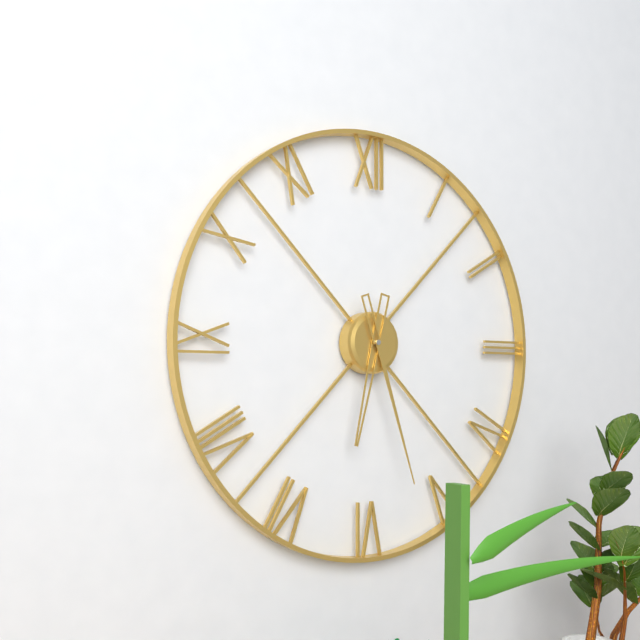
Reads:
h=6 m=27
